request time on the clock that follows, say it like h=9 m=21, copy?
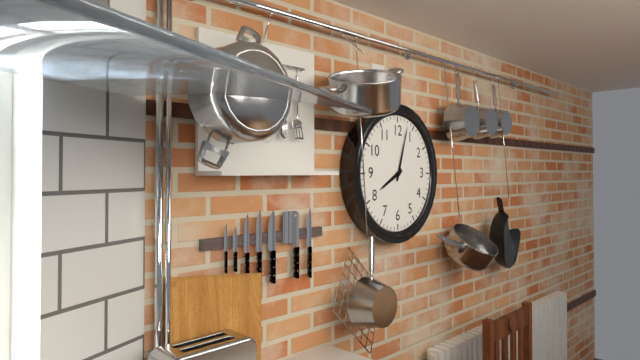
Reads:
h=8 m=3
